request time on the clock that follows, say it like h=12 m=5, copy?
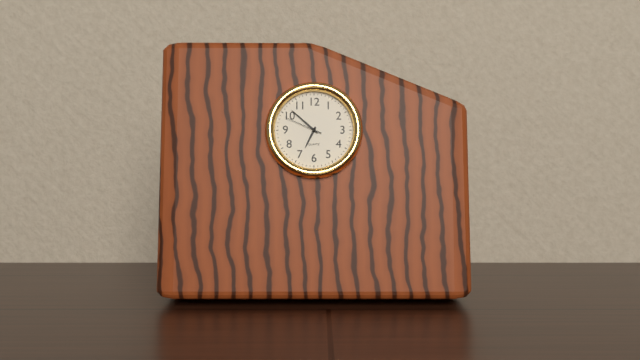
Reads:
h=6 m=52
